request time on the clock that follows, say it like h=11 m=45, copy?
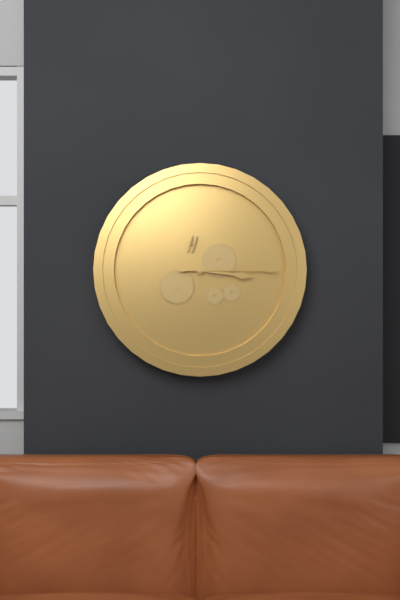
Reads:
h=3 m=15
